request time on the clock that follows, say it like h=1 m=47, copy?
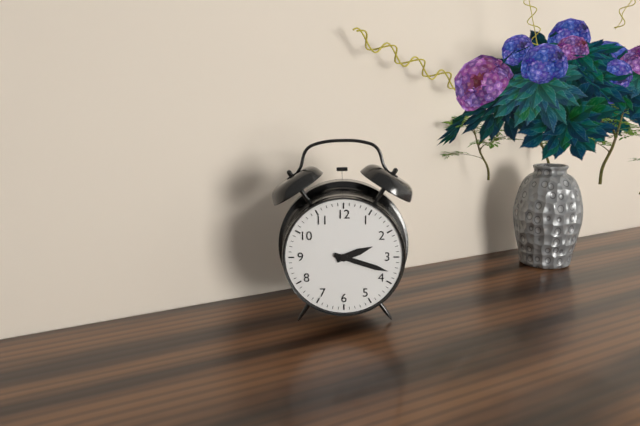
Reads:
h=2 m=18
